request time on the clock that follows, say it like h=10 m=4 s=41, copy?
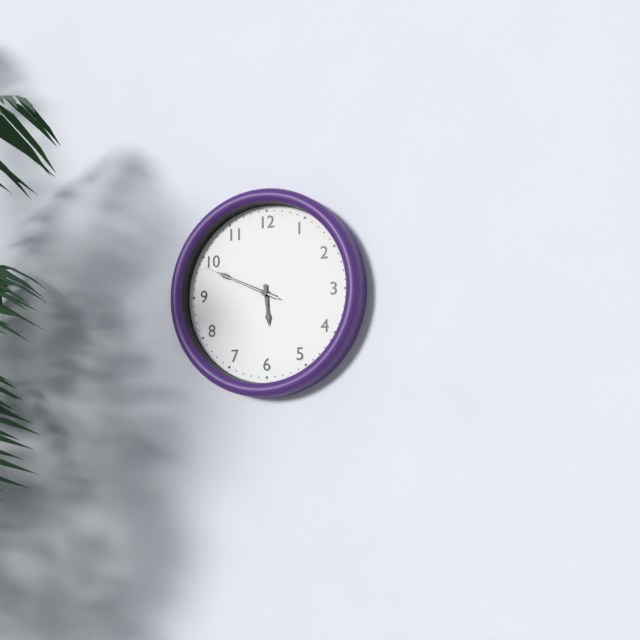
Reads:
h=5 m=49 s=49
